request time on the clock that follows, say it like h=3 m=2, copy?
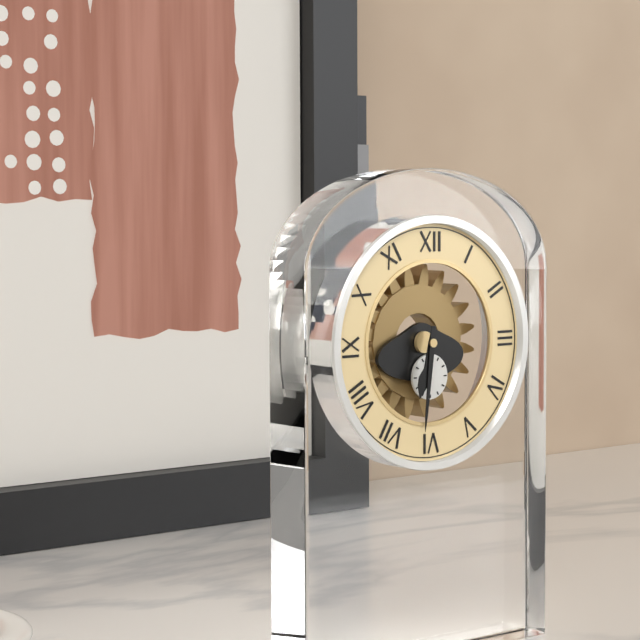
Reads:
h=6 m=31
